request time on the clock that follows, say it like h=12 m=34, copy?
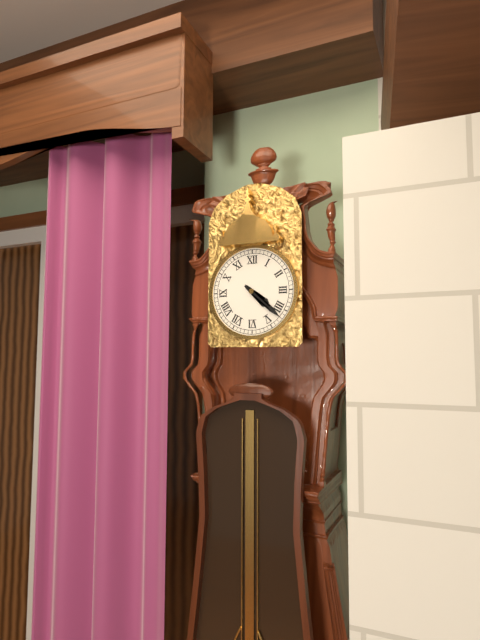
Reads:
h=4 m=22
